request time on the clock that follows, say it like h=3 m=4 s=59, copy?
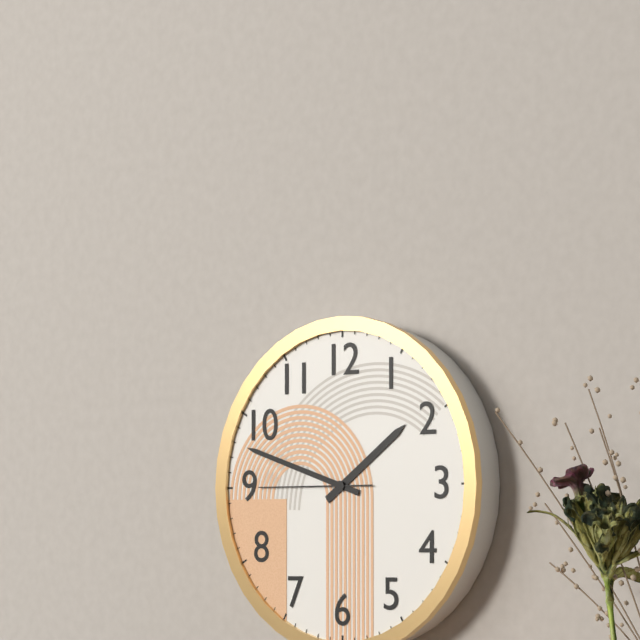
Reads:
h=1 m=48 s=45
